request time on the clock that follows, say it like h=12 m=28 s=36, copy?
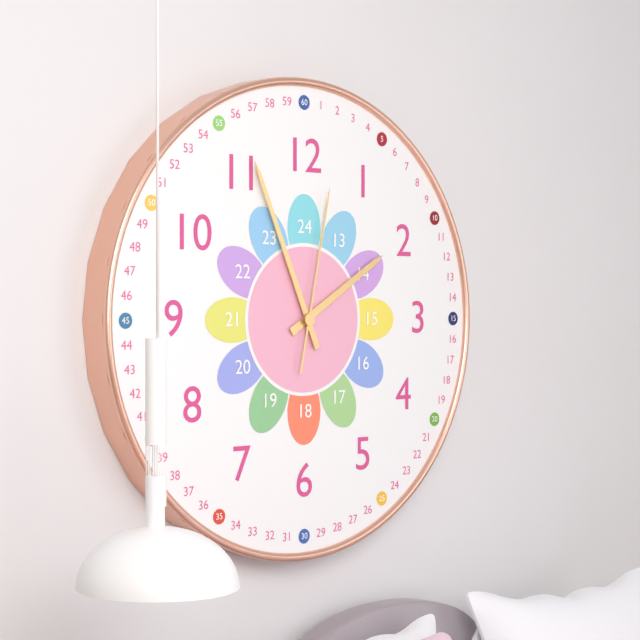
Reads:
h=1 m=56 s=2
